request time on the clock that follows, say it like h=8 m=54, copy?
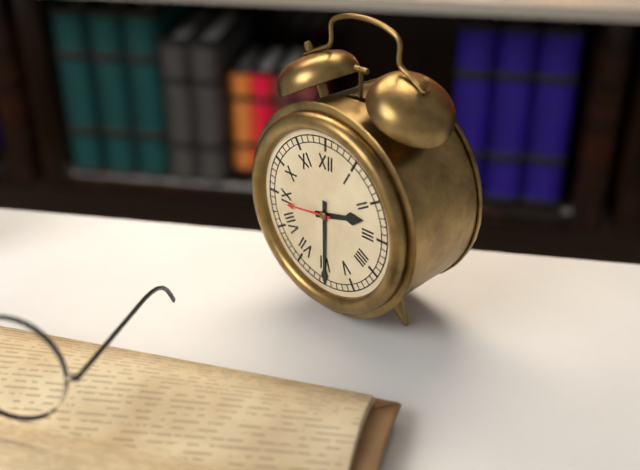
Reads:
h=2 m=30
